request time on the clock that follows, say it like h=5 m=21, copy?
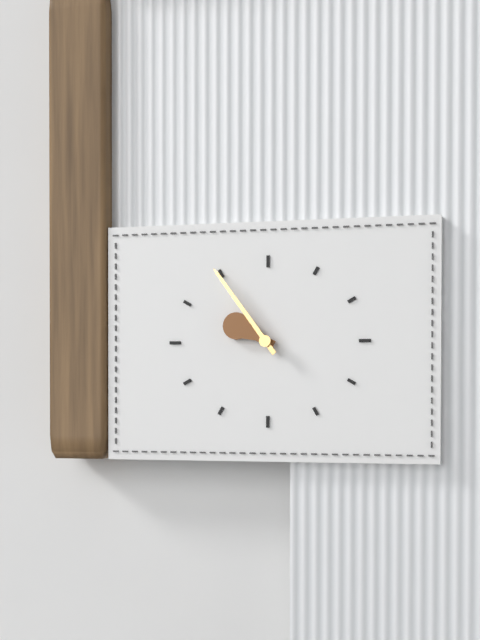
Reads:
h=9 m=54
